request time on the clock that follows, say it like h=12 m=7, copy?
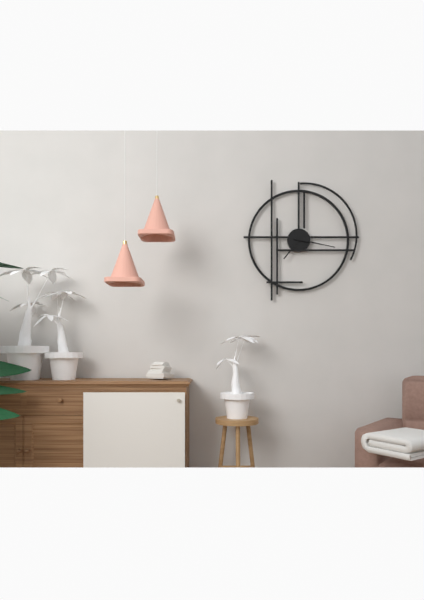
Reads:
h=7 m=17
